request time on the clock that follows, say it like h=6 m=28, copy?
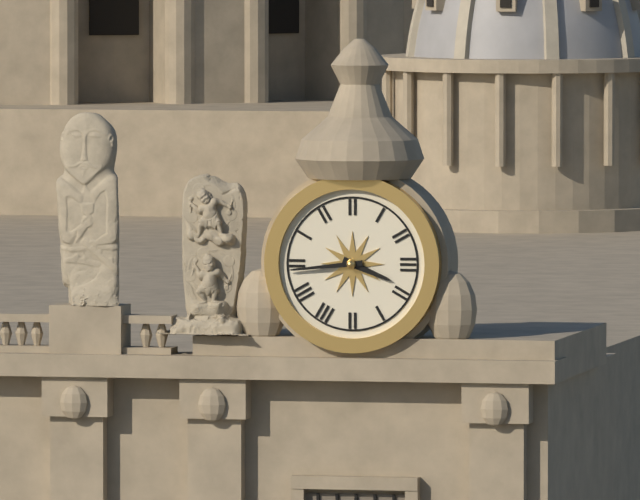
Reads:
h=3 m=44
